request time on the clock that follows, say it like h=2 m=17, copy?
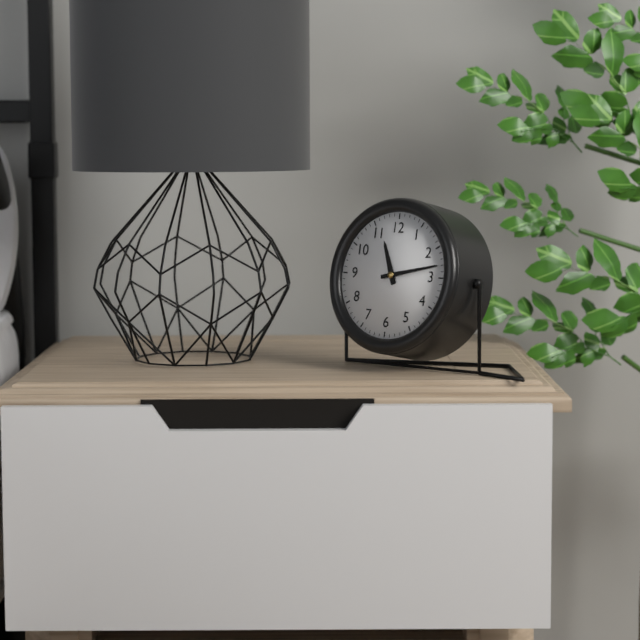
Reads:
h=11 m=13
